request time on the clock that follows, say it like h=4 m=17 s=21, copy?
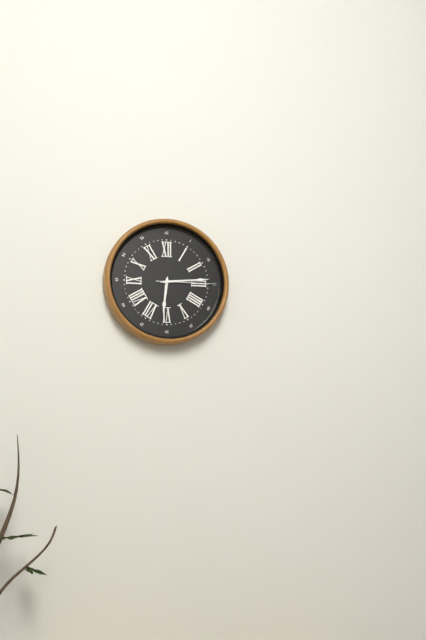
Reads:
h=6 m=14 s=15
